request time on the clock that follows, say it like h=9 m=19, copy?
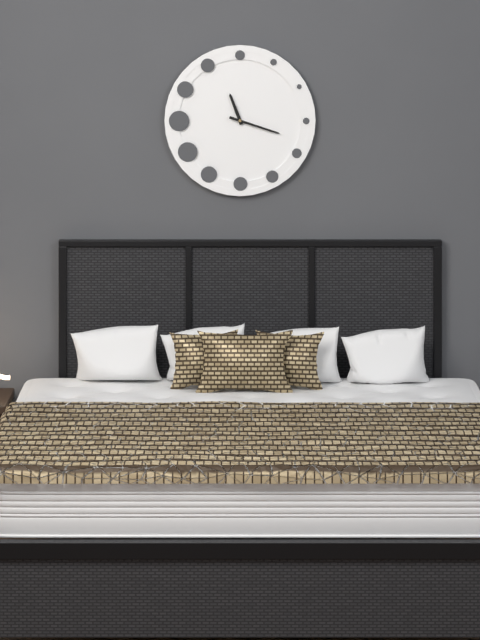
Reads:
h=11 m=18
